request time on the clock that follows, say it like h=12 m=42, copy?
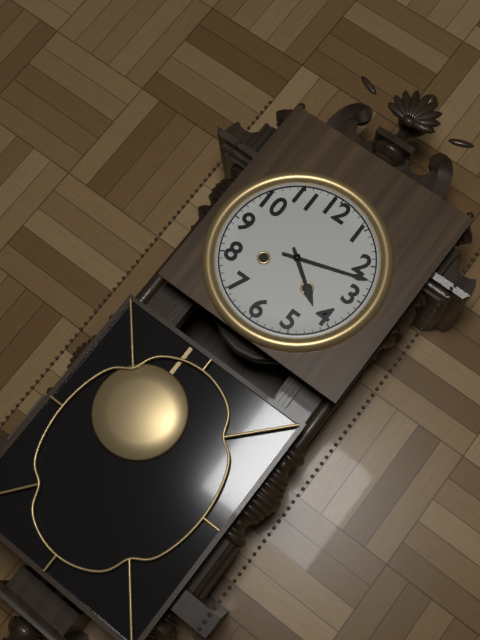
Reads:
h=4 m=12
